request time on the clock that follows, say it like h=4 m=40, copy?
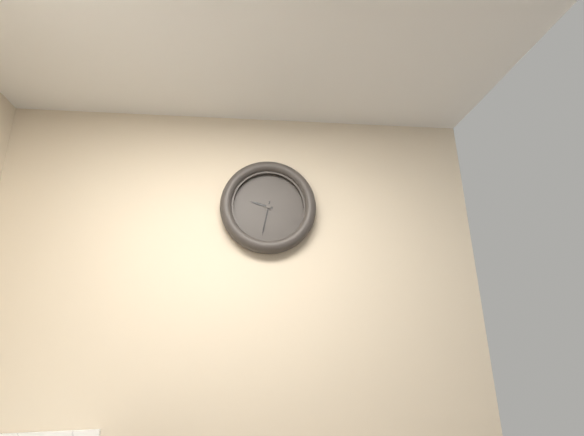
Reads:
h=9 m=32
